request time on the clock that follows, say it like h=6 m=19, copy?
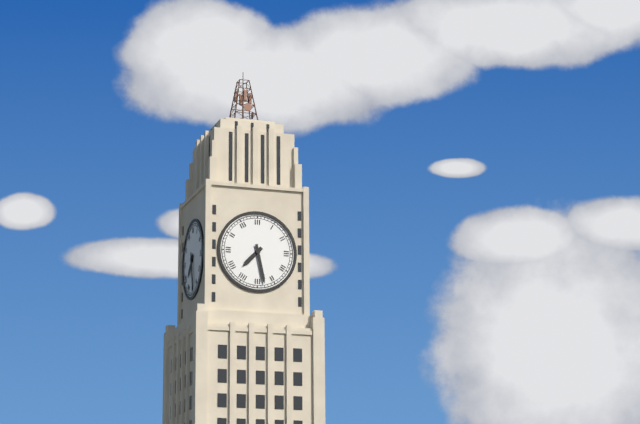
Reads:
h=7 m=28
